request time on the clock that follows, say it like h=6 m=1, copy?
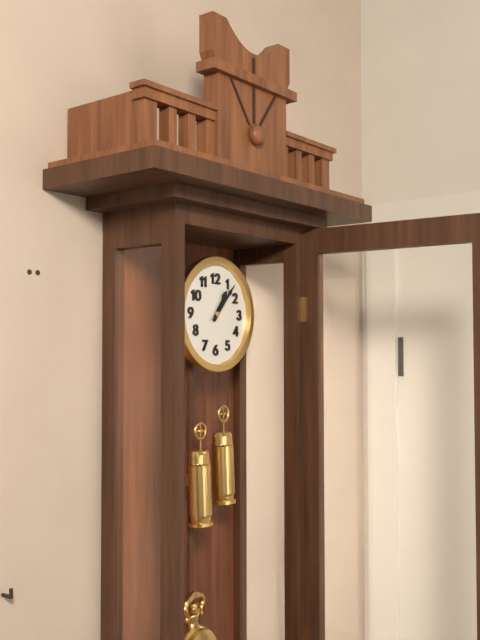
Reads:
h=1 m=7
